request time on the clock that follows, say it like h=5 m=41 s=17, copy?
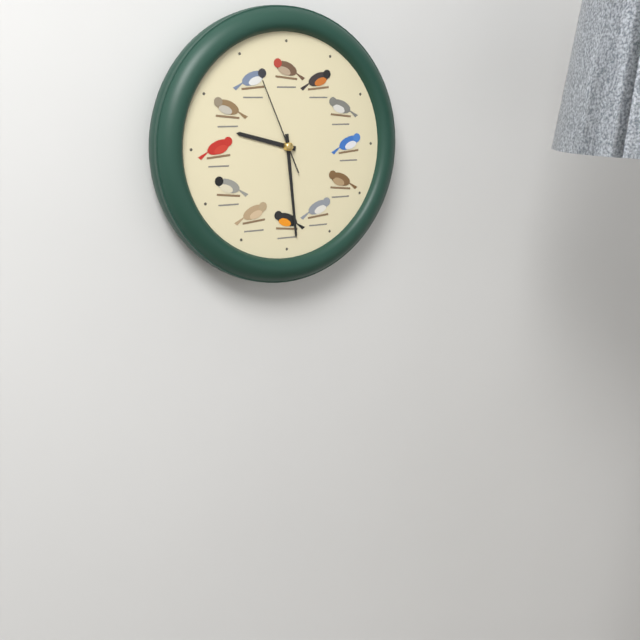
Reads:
h=9 m=29 s=56
